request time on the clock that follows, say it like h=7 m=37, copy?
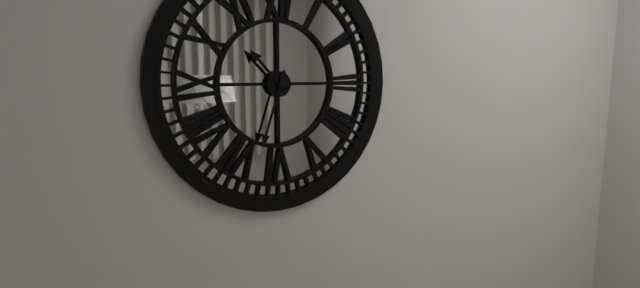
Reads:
h=10 m=33
